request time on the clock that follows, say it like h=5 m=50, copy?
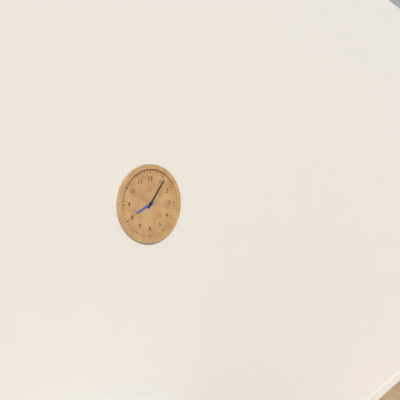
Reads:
h=8 m=6
